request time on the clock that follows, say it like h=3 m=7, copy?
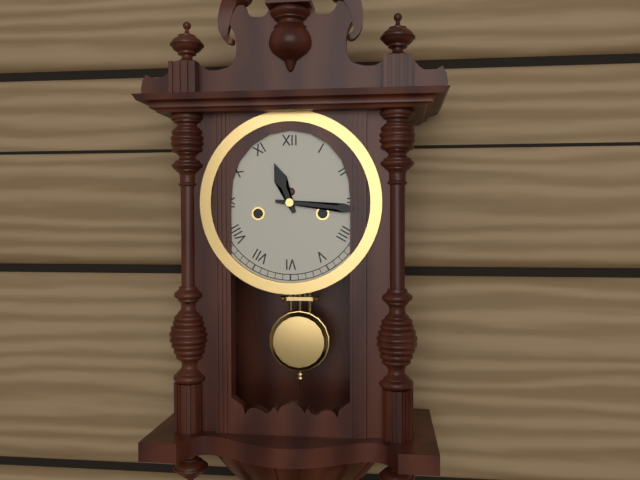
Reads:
h=11 m=16
